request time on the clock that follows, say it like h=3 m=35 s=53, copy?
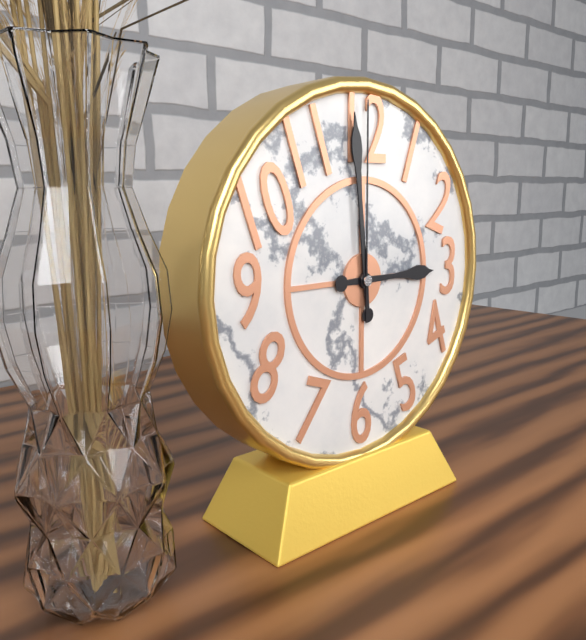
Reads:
h=2 m=59 s=0
